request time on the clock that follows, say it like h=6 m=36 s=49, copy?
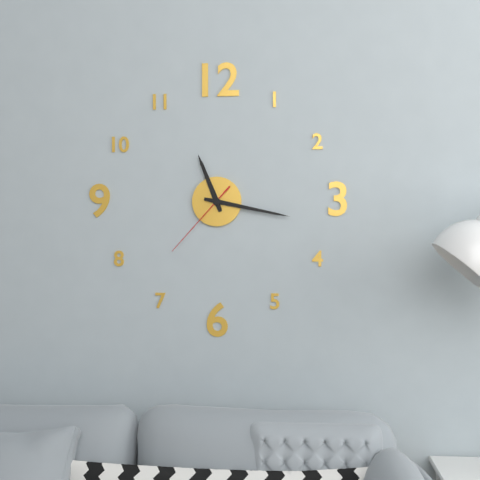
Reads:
h=11 m=17 s=37
